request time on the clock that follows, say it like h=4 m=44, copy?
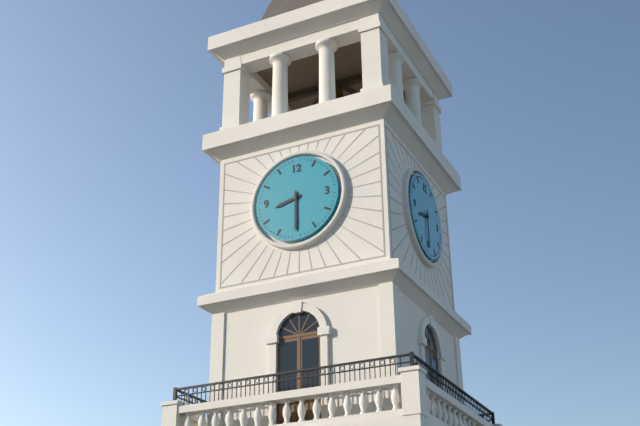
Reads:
h=8 m=30
